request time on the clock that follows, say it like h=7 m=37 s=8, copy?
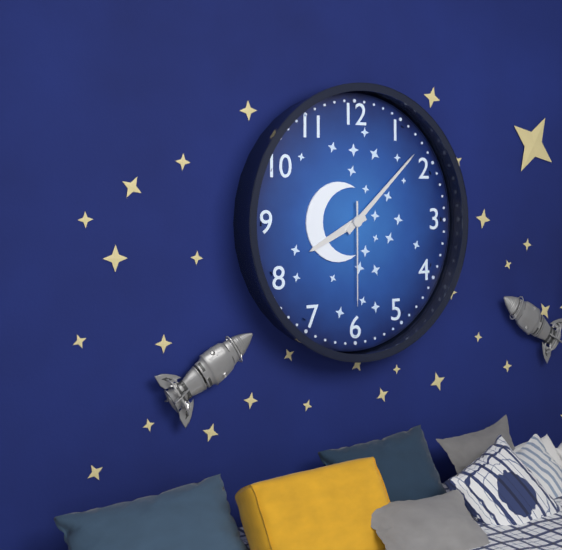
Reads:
h=8 m=8 s=30
